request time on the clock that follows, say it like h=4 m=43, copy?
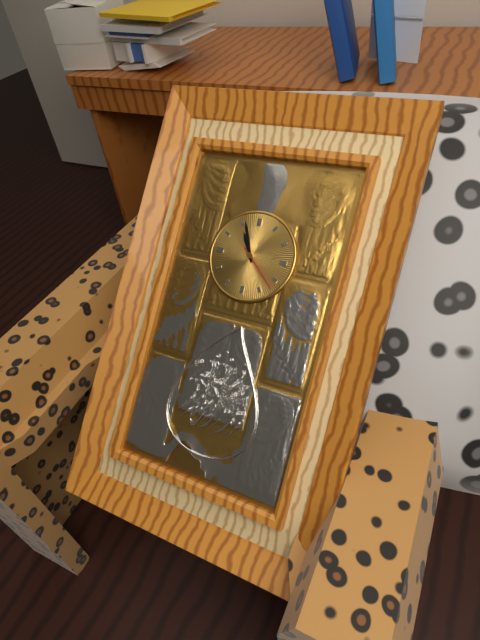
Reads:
h=10 m=56
